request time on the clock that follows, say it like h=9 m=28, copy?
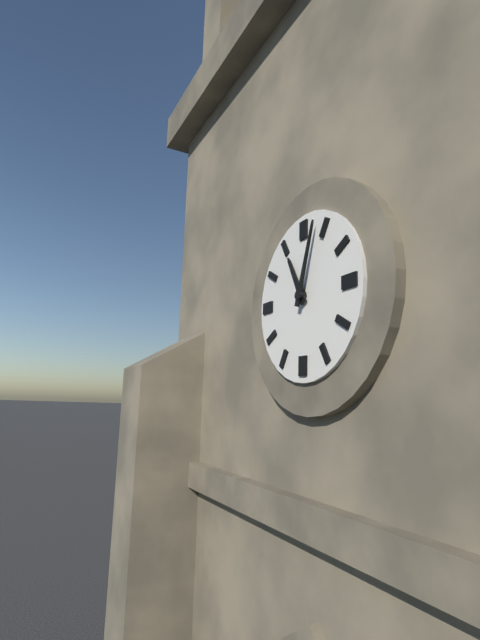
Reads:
h=11 m=3
